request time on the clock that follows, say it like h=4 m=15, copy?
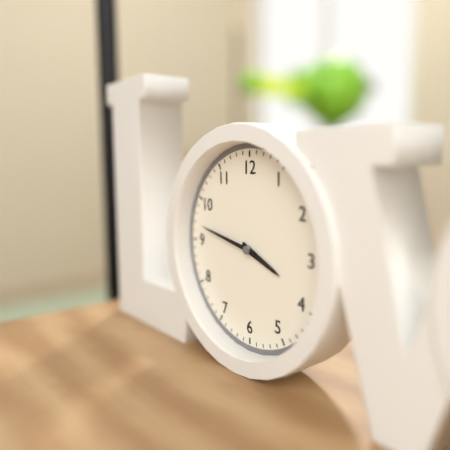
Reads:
h=3 m=47
